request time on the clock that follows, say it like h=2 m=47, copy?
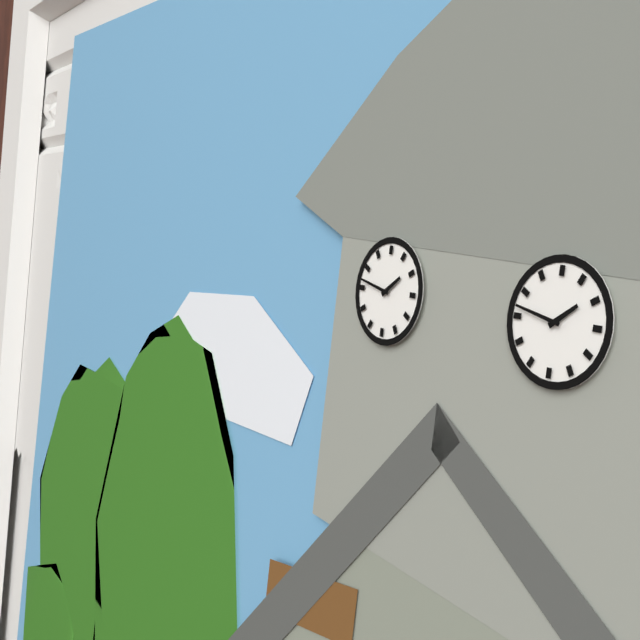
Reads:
h=1 m=47
